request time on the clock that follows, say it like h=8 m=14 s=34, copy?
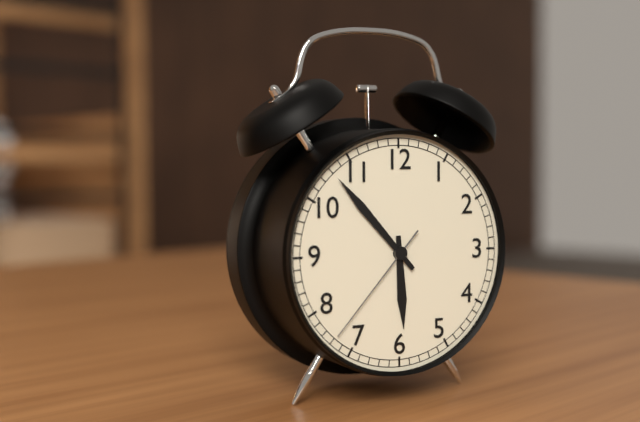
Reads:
h=5 m=53 s=37
